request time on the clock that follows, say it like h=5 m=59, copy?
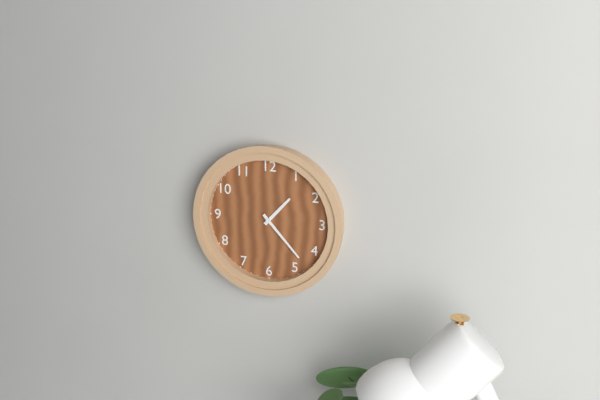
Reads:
h=1 m=23
